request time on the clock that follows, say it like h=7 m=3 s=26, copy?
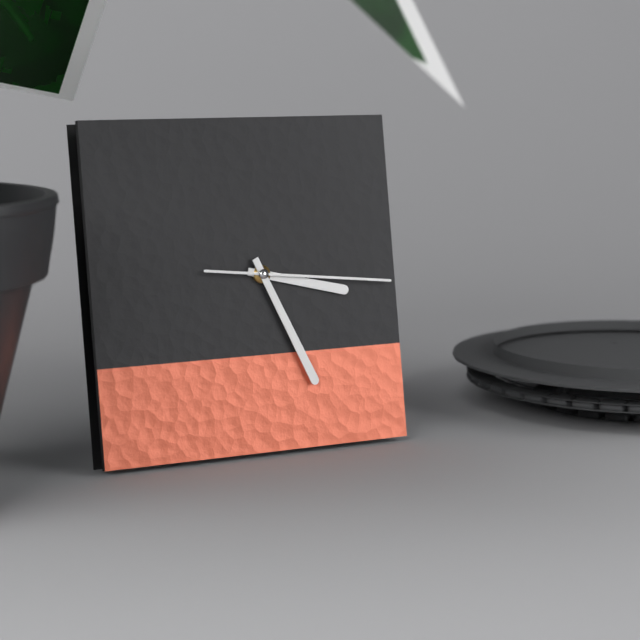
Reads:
h=3 m=26 s=16
